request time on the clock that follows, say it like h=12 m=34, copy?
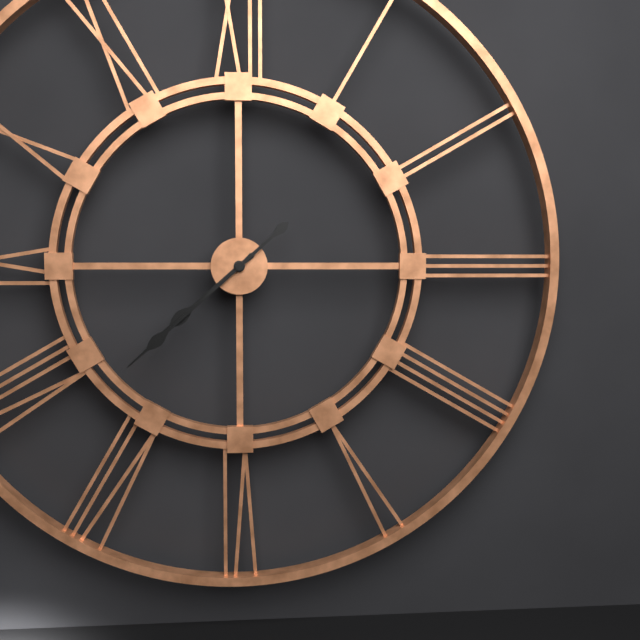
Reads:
h=7 m=38
